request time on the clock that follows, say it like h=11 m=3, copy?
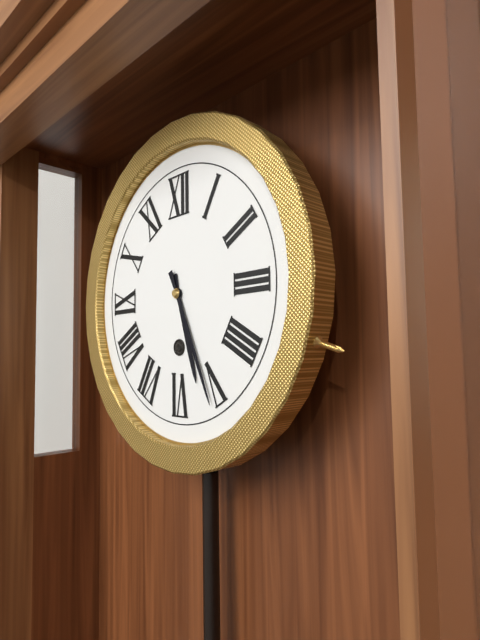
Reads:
h=5 m=26
